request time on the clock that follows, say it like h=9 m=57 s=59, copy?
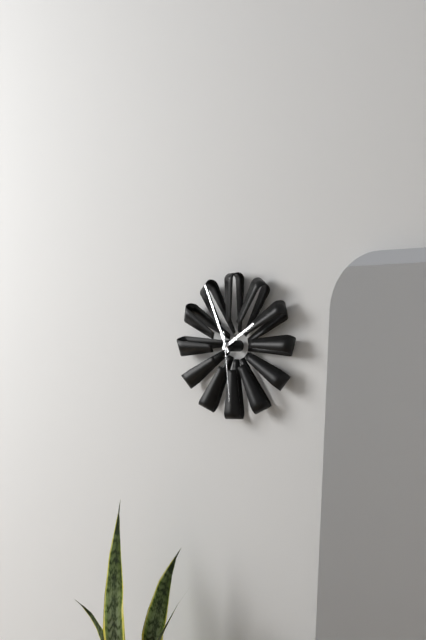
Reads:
h=1 m=56 s=29
